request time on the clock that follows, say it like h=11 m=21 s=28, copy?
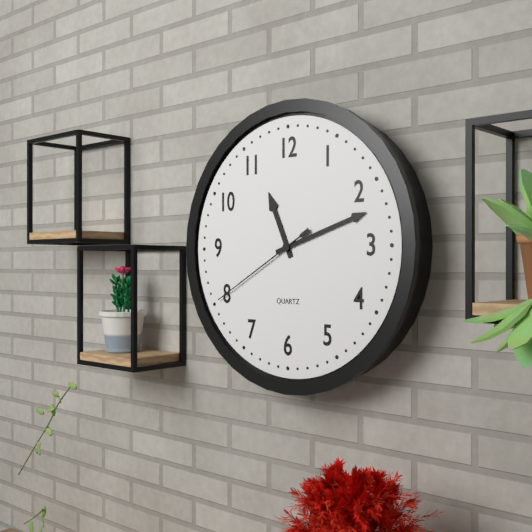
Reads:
h=11 m=12 s=40
